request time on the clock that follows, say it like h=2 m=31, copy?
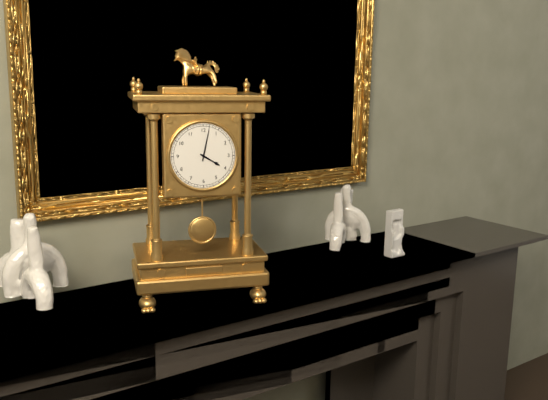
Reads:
h=4 m=2
